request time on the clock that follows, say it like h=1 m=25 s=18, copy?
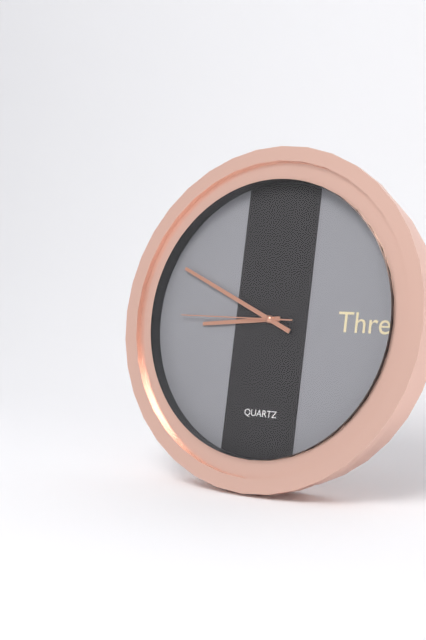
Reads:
h=8 m=49 s=45
